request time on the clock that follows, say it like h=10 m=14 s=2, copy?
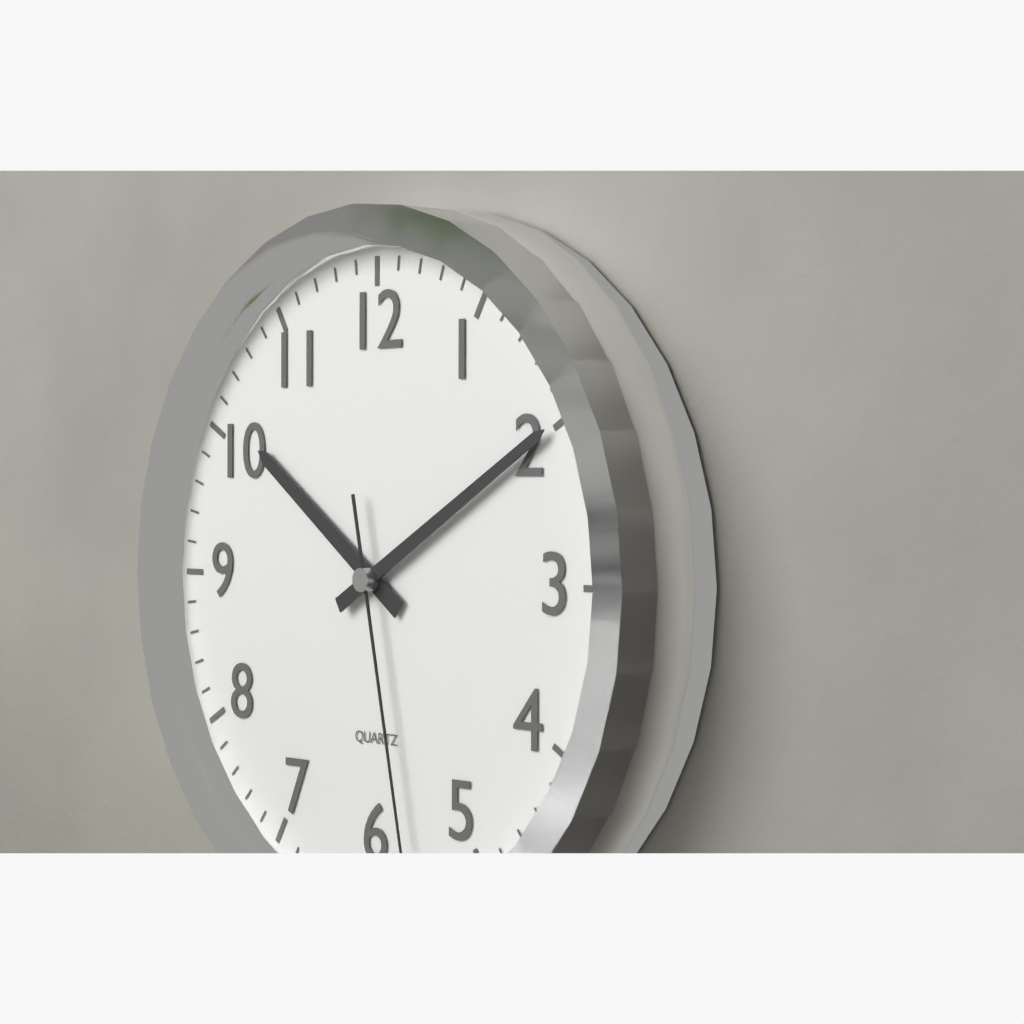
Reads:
h=10 m=10 s=28
